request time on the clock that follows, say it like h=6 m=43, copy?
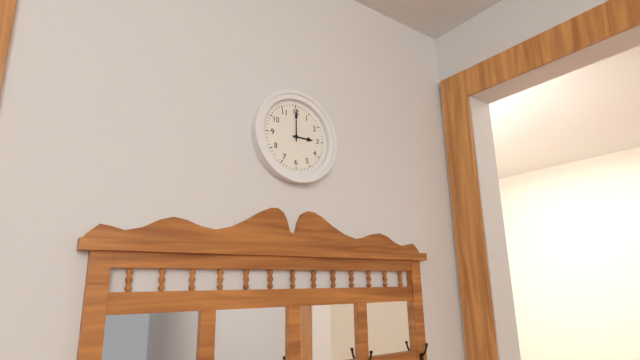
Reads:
h=3 m=0
